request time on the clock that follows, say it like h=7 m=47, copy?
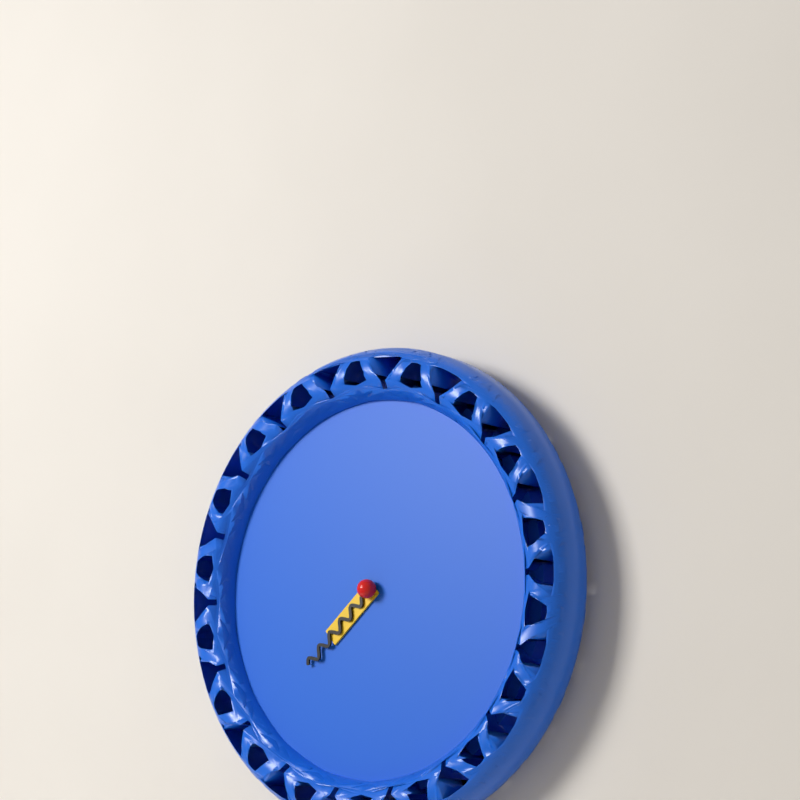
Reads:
h=7 m=38
